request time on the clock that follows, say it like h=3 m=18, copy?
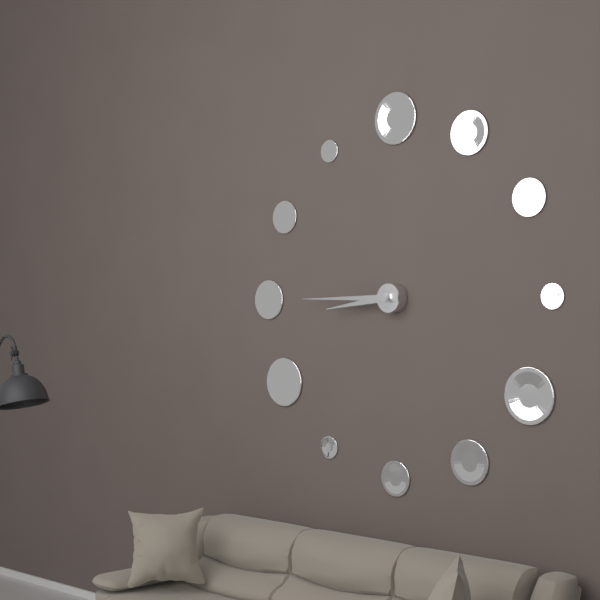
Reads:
h=8 m=45
